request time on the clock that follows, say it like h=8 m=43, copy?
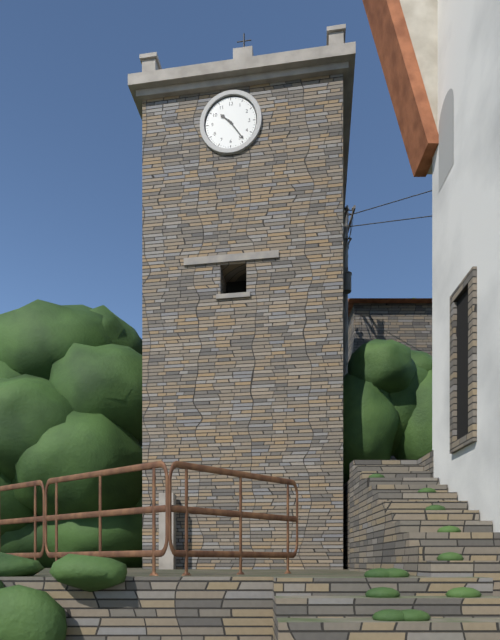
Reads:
h=10 m=24
